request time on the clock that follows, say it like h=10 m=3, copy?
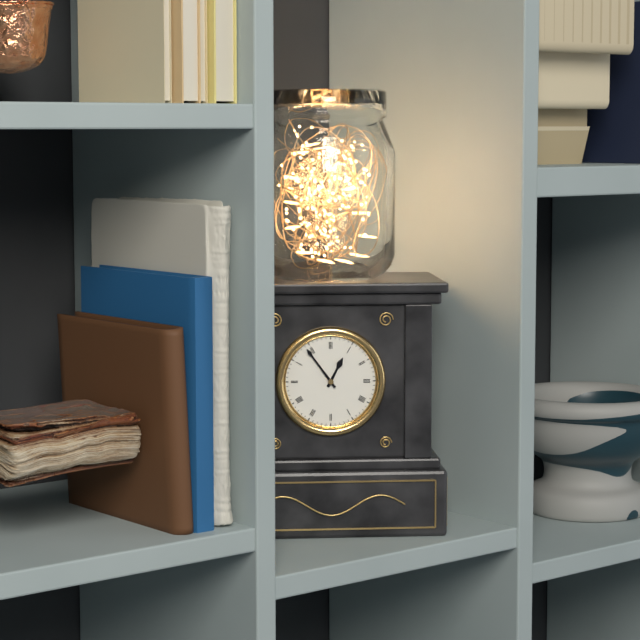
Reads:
h=12 m=54
